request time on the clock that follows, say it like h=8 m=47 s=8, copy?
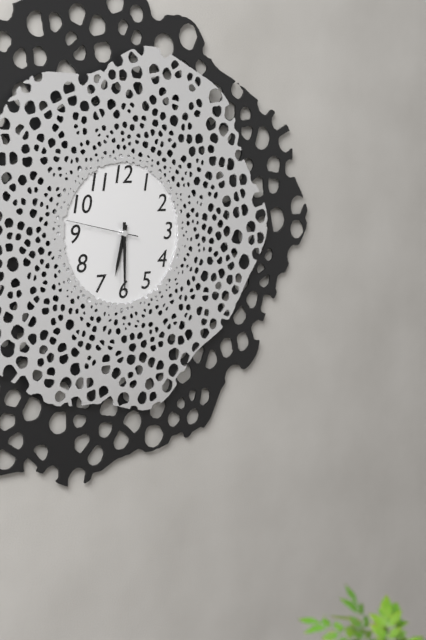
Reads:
h=6 m=30 s=47
